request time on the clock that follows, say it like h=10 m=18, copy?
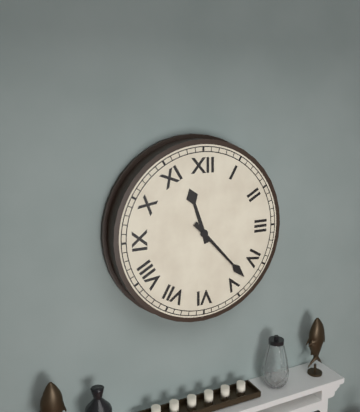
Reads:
h=11 m=23
